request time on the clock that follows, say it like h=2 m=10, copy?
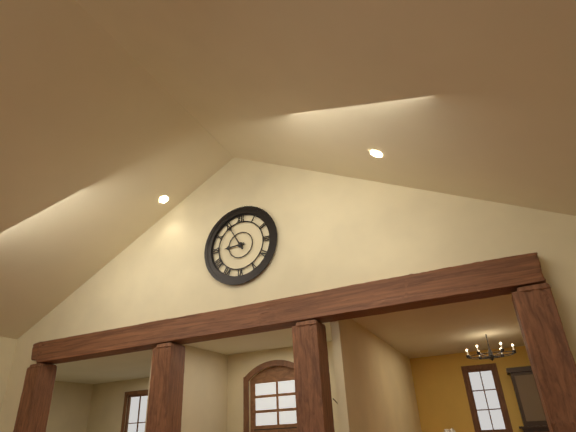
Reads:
h=8 m=55
